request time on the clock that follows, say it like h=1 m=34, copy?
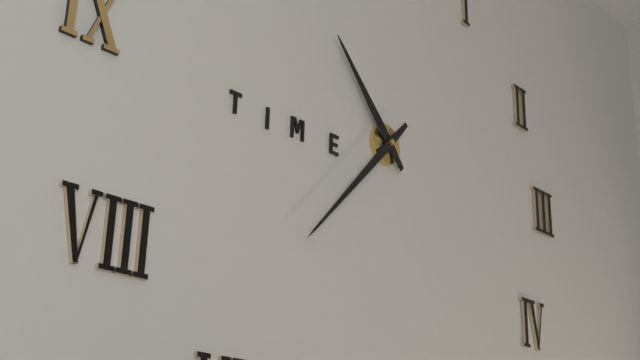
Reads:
h=10 m=37
